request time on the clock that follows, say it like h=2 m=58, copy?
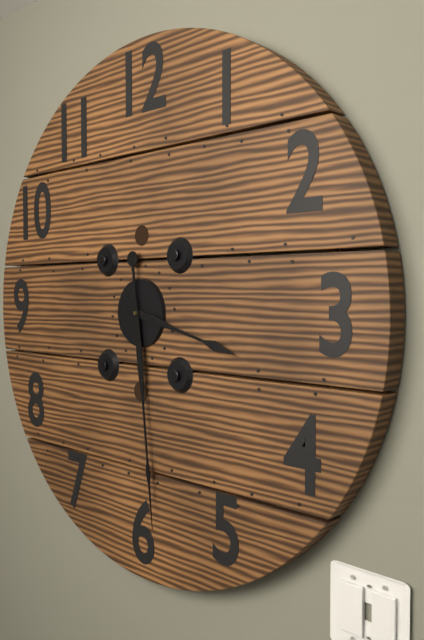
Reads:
h=3 m=29
